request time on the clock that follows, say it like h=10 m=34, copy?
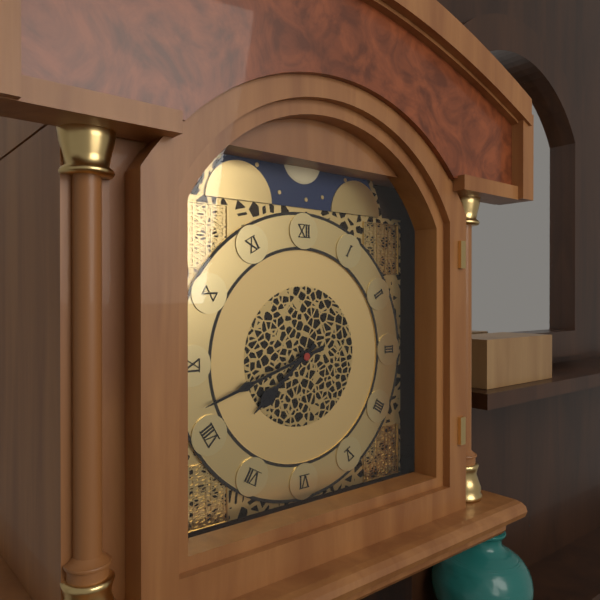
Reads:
h=7 m=42
